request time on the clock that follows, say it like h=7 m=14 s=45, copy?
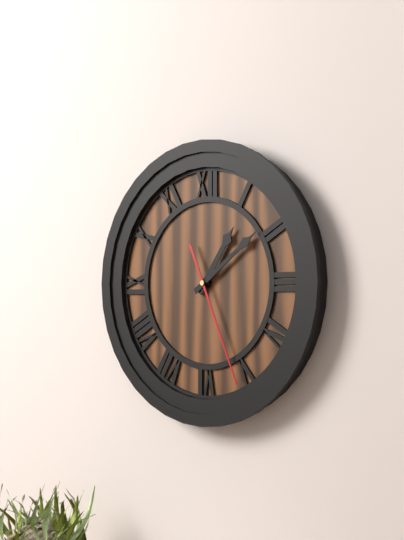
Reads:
h=1 m=9 s=26
